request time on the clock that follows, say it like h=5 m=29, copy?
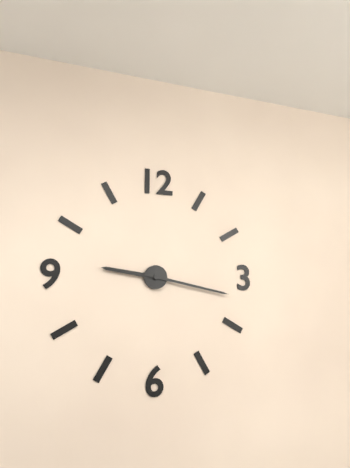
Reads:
h=9 m=17
